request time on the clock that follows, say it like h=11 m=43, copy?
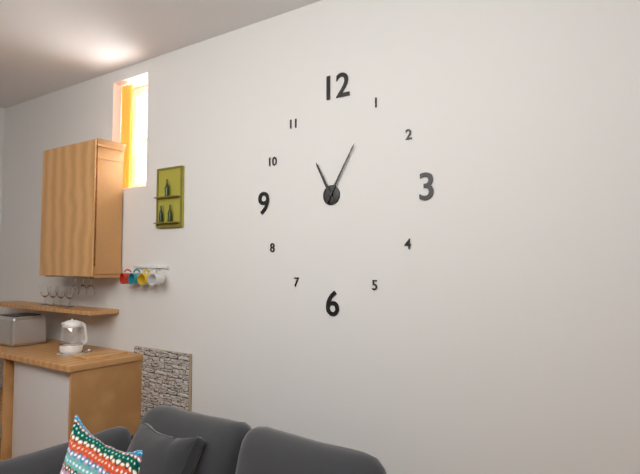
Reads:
h=11 m=5
